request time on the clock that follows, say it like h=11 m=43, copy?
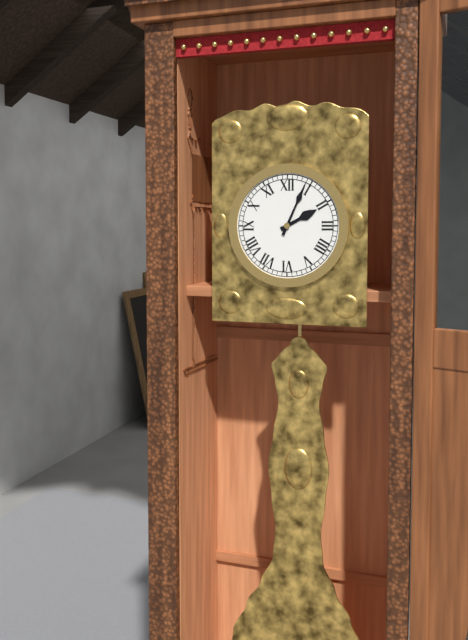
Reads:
h=2 m=4
